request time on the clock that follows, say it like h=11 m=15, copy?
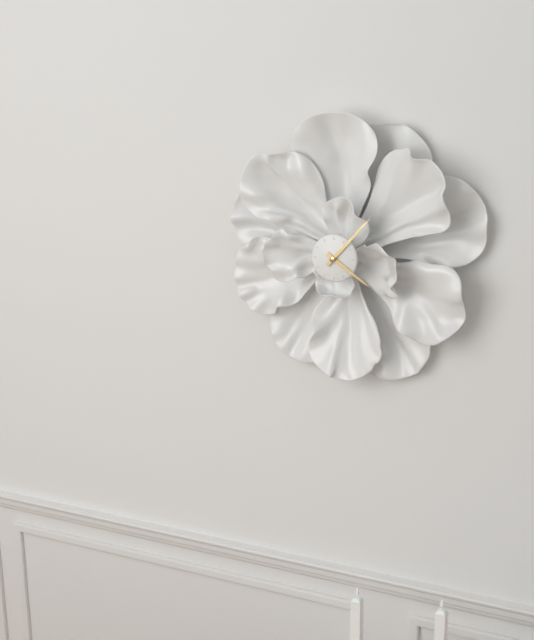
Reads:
h=4 m=7
